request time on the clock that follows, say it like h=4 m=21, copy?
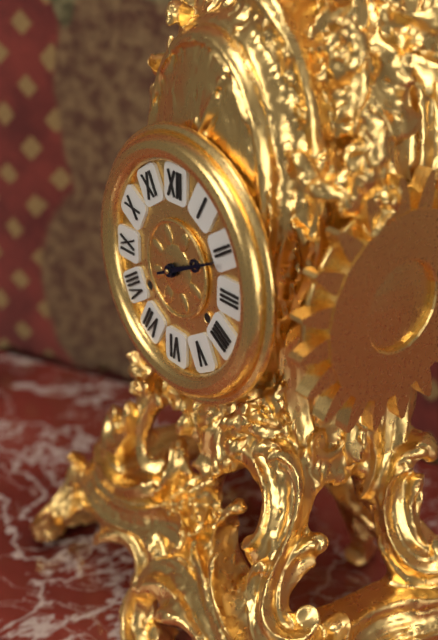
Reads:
h=2 m=11
